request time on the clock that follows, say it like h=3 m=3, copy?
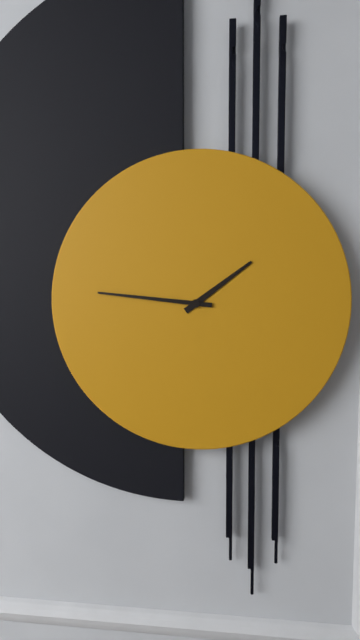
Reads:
h=1 m=46
